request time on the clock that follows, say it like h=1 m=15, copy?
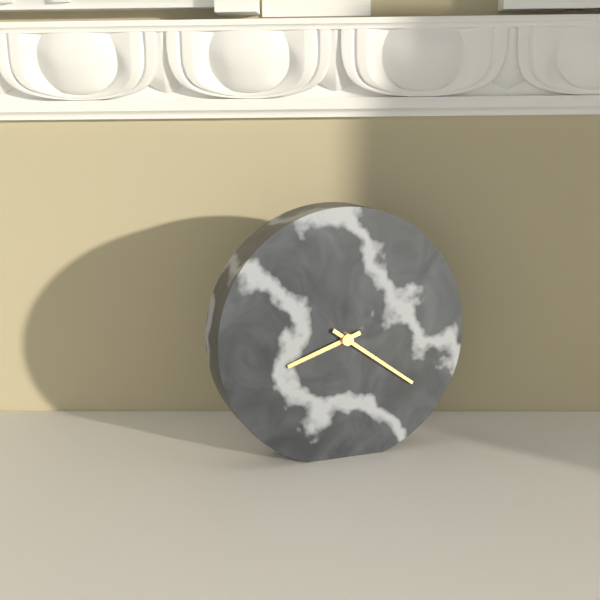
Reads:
h=8 m=21
